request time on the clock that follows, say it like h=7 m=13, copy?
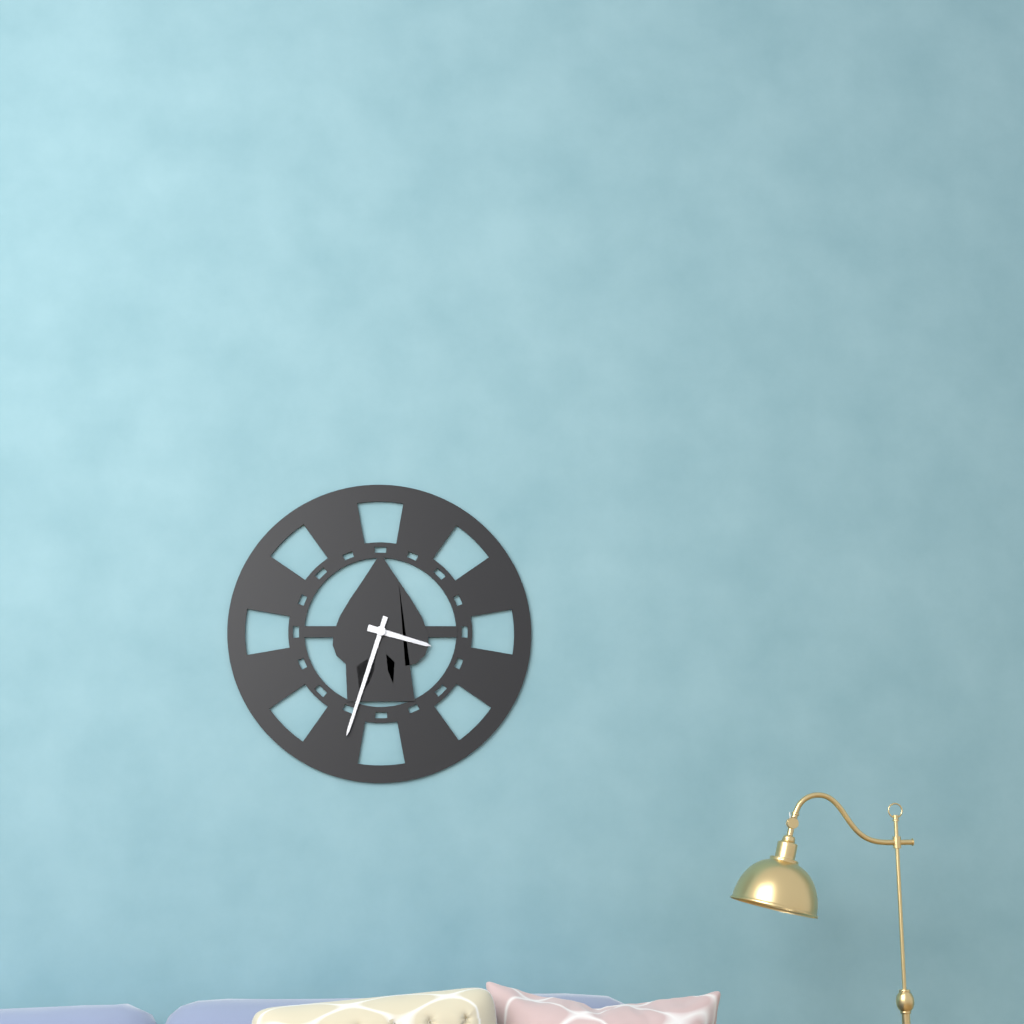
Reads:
h=3 m=33
